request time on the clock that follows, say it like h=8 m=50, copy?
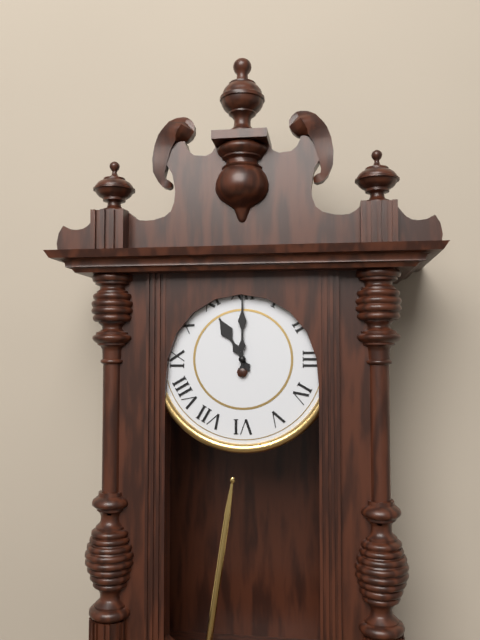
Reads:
h=11 m=0
